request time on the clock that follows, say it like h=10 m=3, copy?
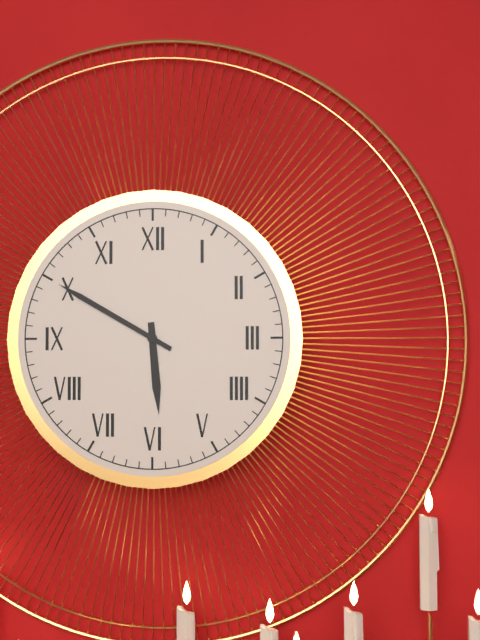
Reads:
h=5 m=50
